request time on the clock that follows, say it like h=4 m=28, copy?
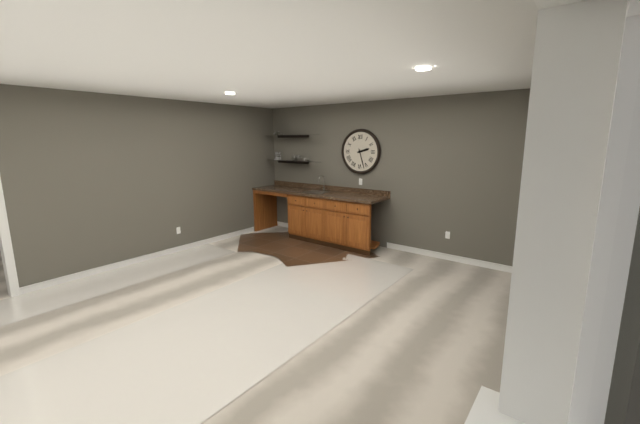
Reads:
h=2 m=27
